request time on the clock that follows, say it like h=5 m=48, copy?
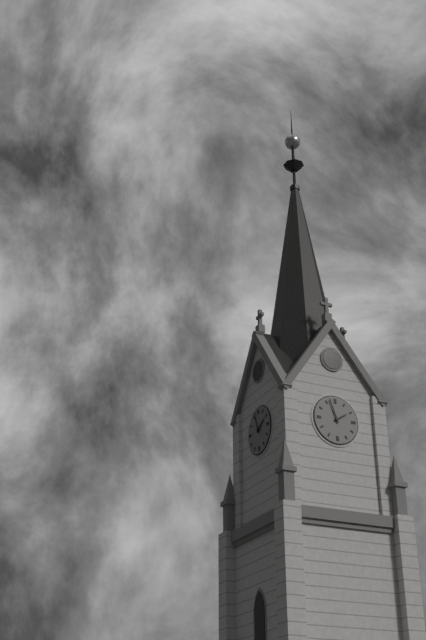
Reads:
h=1 m=57
